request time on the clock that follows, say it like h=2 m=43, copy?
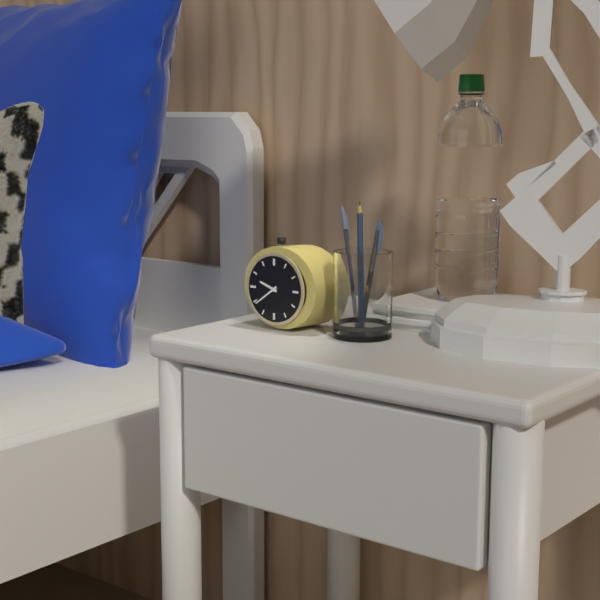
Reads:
h=9 m=39
